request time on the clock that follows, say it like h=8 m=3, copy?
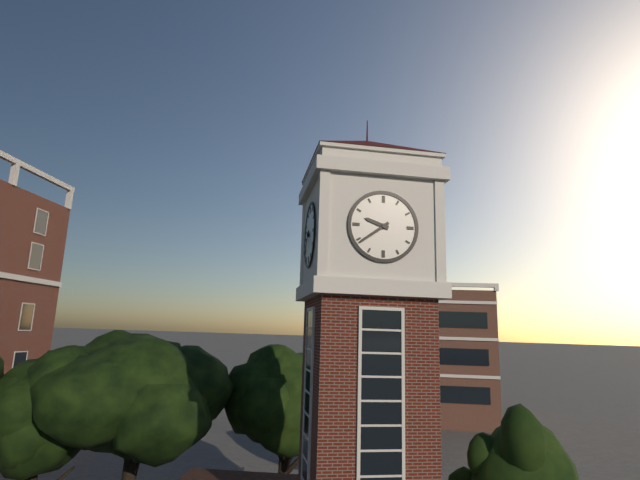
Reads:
h=9 m=39
